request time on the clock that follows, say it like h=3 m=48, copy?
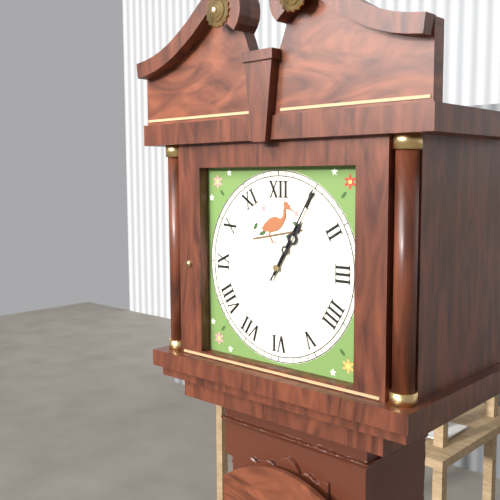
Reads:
h=1 m=5
